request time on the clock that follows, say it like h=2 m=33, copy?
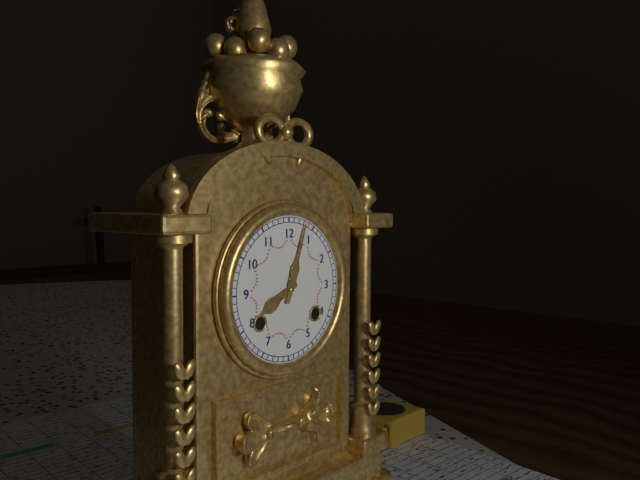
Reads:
h=8 m=3
